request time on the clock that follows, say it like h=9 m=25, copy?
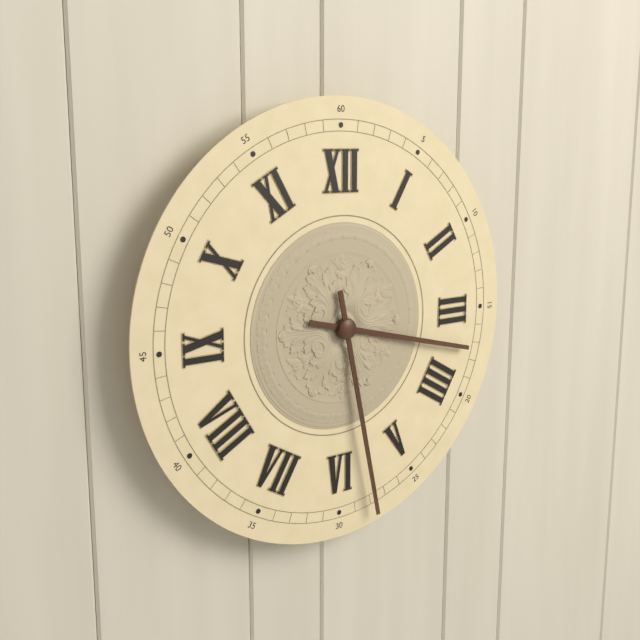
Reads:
h=3 m=28
